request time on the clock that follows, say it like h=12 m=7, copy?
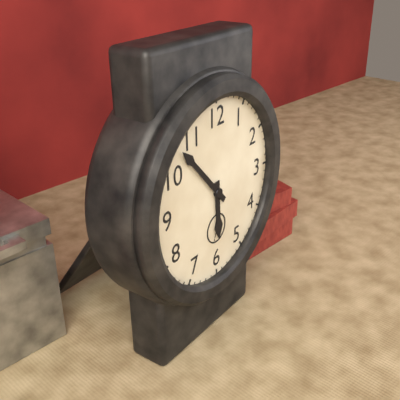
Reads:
h=5 m=53
